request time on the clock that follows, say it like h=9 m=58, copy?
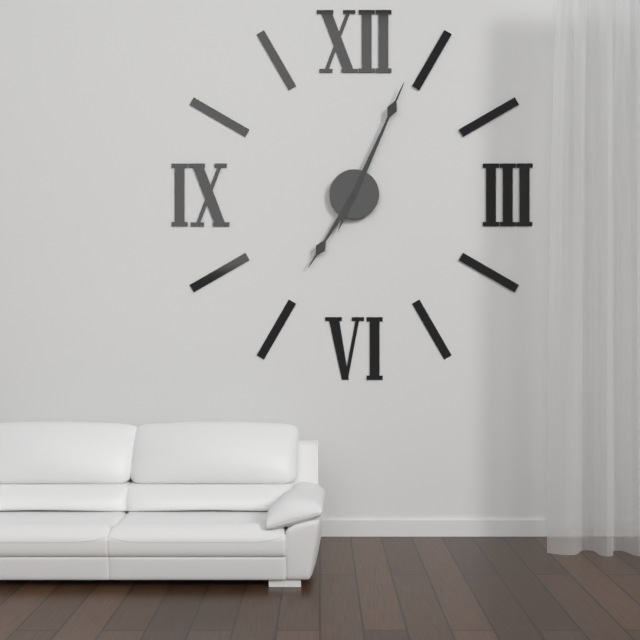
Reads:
h=7 m=4
